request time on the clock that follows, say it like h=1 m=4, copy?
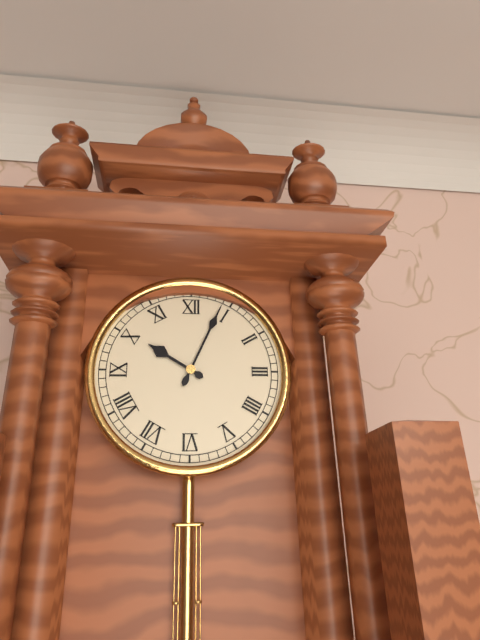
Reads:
h=10 m=4
